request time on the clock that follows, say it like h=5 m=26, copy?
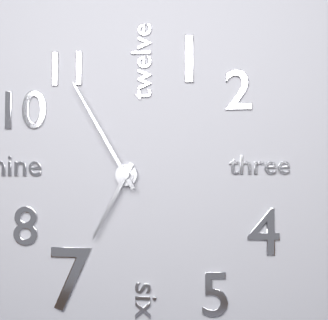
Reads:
h=6 m=55
